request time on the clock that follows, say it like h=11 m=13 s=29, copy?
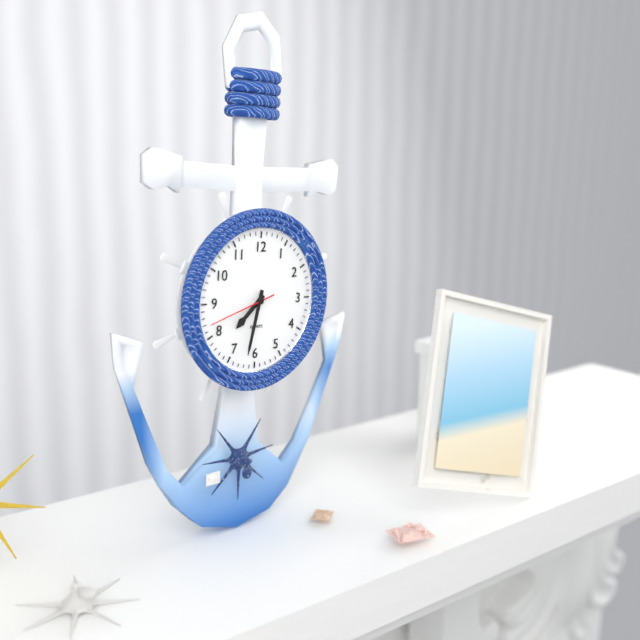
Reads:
h=7 m=32 s=42
